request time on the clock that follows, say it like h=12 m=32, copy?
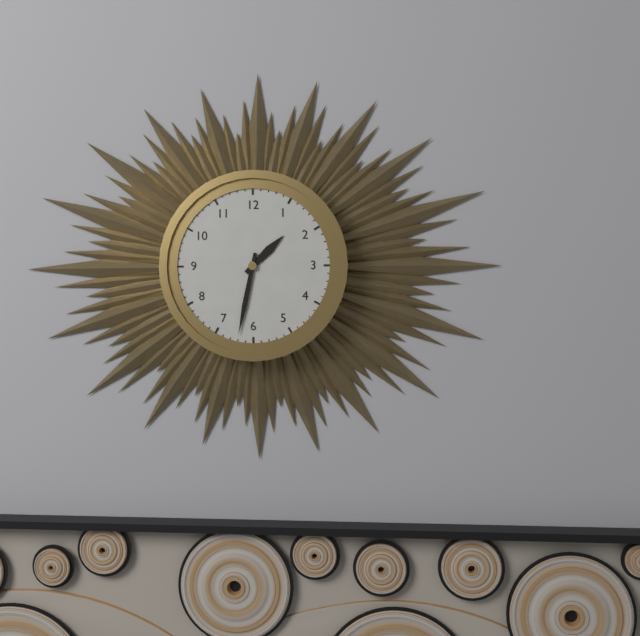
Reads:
h=1 m=32
